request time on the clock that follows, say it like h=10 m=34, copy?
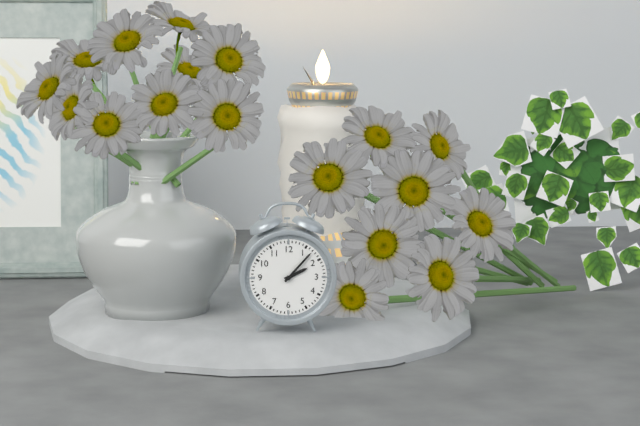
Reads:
h=2 m=7
